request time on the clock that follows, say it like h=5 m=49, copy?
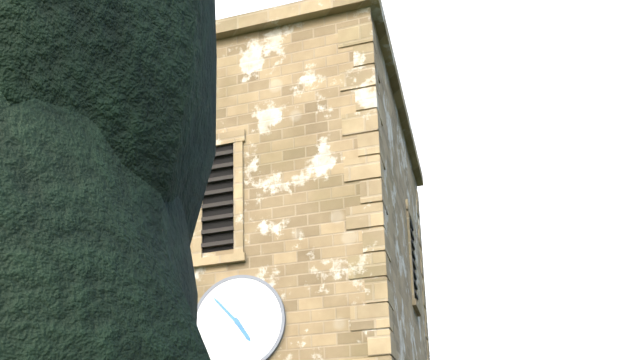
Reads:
h=4 m=53
